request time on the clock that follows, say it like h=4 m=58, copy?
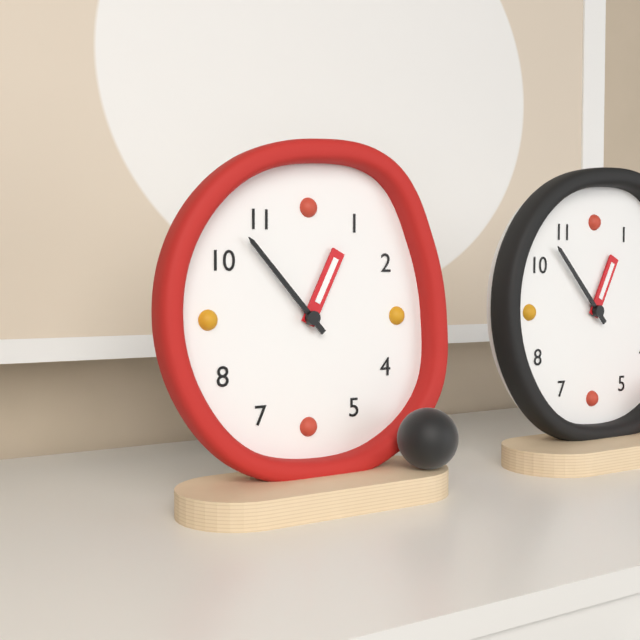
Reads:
h=12 m=53
